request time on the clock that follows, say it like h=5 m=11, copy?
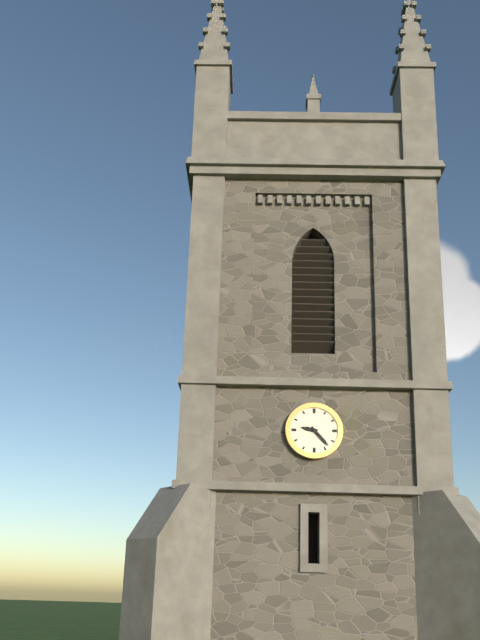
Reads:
h=9 m=23
